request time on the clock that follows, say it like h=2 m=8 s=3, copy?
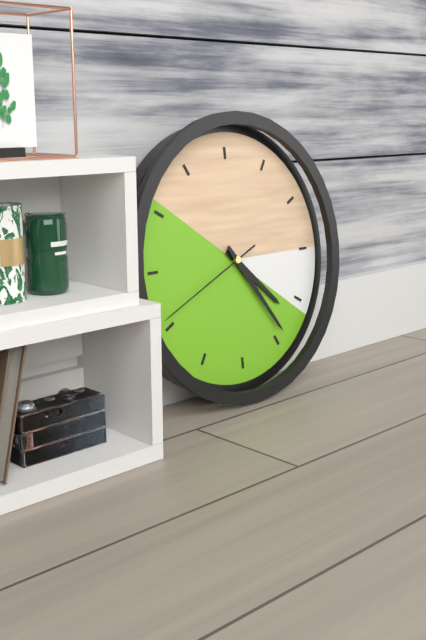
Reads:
h=4 m=24 s=41
